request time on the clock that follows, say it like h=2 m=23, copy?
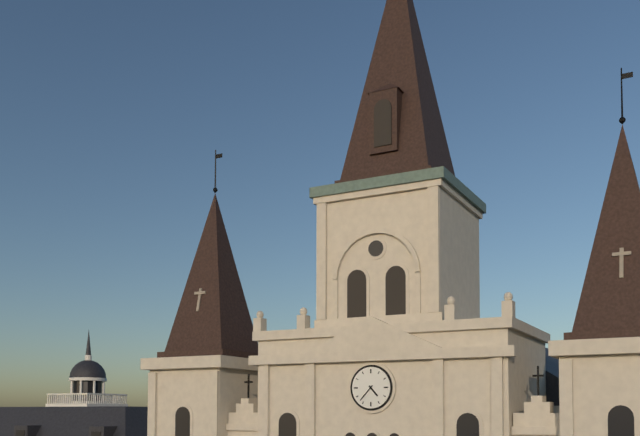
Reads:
h=4 m=37
